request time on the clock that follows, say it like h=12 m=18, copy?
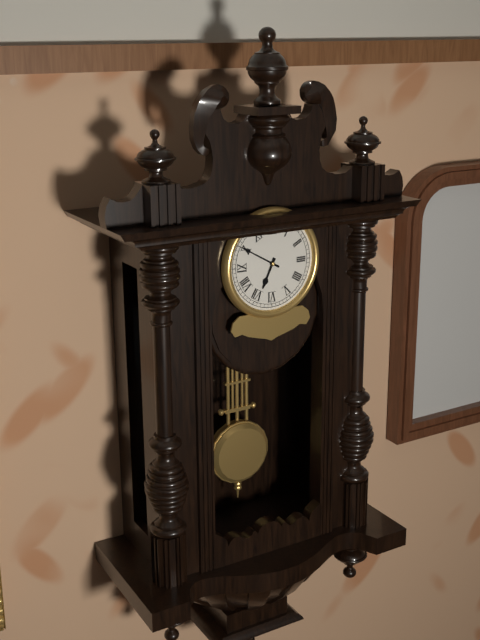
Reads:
h=6 m=50
